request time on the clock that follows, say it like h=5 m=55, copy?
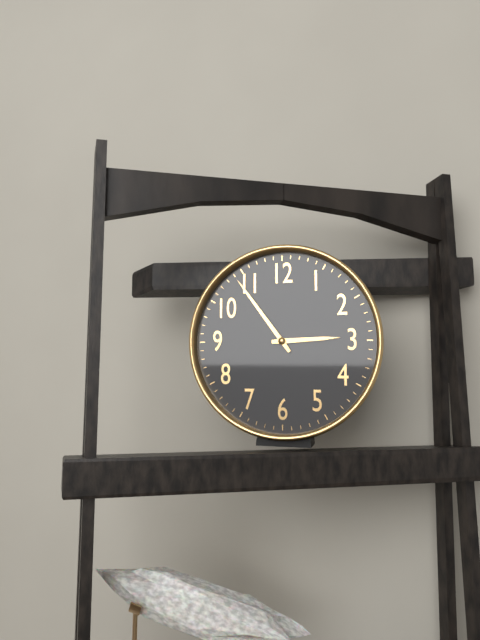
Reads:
h=2 m=54
